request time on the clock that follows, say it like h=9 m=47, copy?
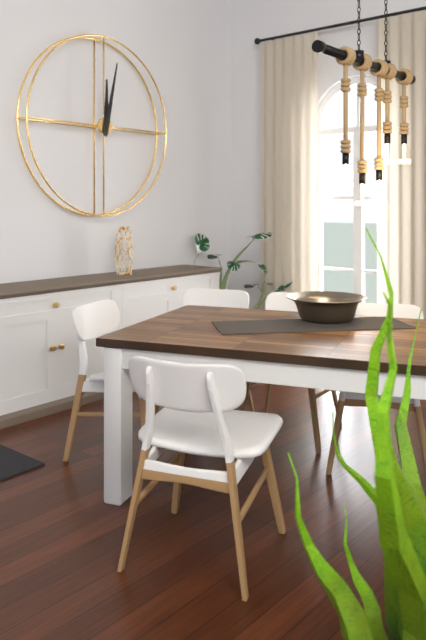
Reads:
h=12 m=2
